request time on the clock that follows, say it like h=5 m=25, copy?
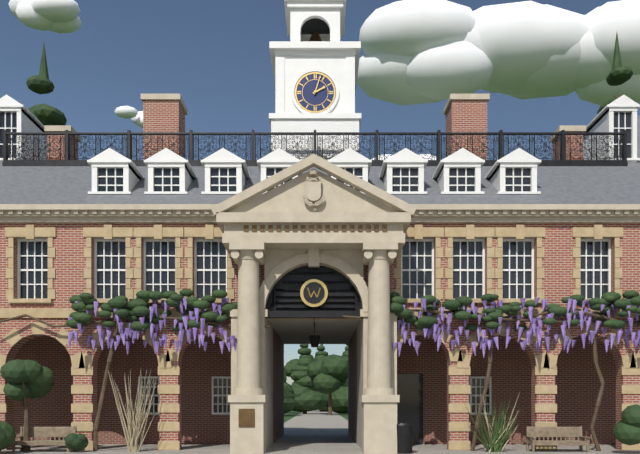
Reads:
h=2 m=3
